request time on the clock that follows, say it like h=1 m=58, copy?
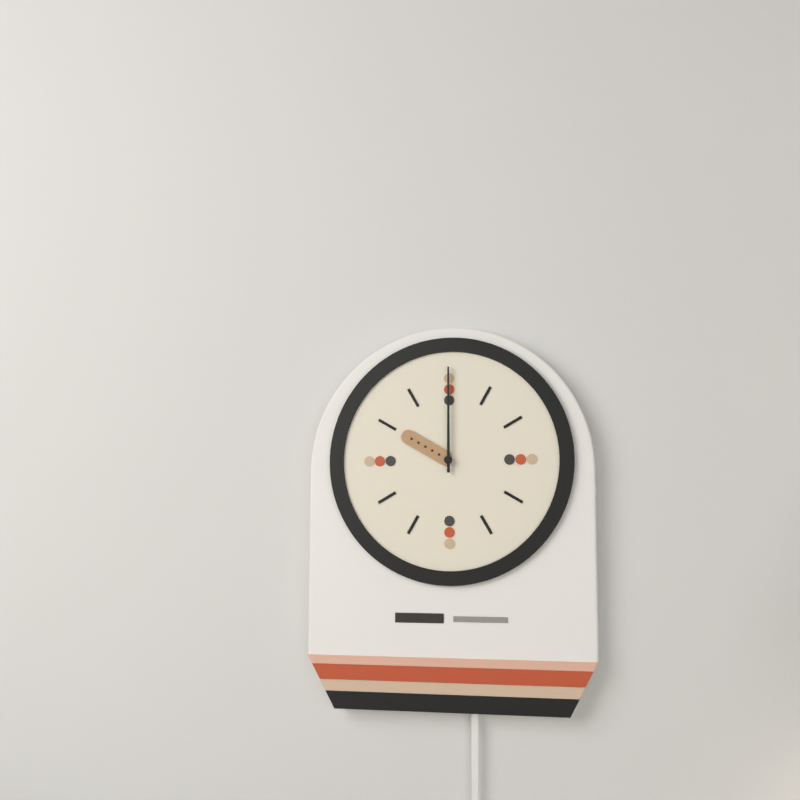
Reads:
h=10 m=0
